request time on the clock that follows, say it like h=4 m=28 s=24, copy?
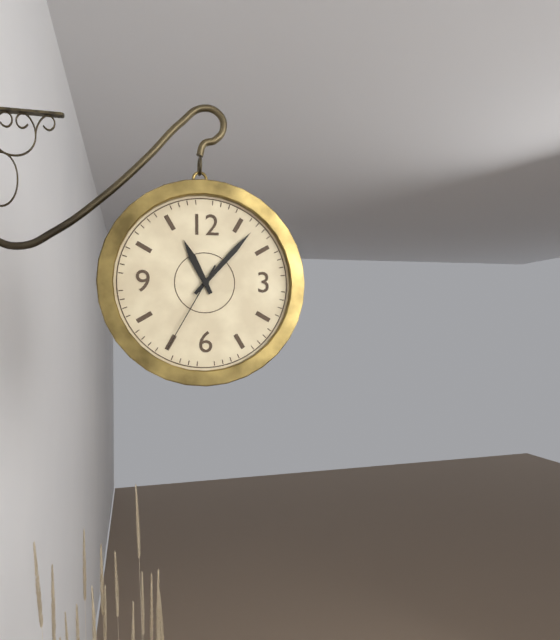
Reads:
h=11 m=7 s=35
